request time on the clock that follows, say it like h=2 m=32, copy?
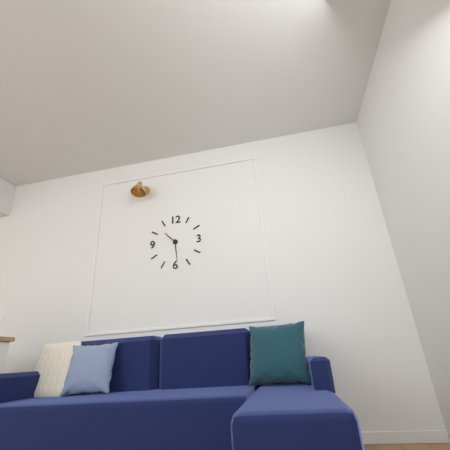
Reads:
h=10 m=29
